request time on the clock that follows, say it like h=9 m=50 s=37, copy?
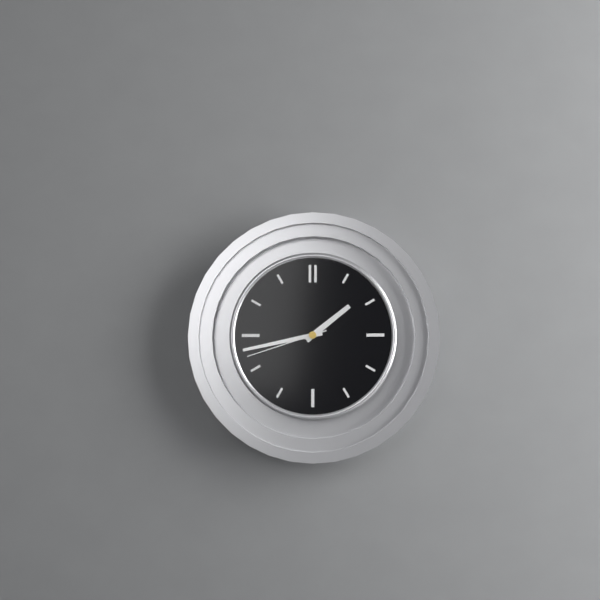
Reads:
h=1 m=43 s=42
